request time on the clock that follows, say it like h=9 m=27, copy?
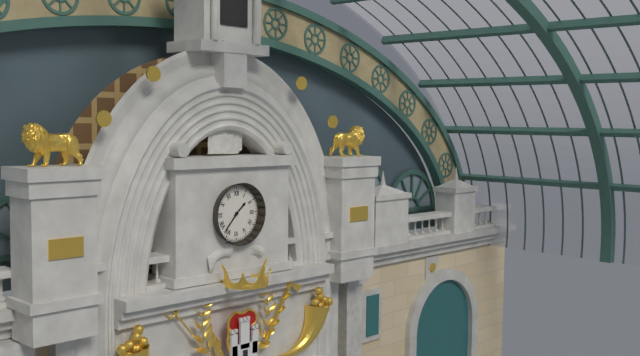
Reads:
h=1 m=37
